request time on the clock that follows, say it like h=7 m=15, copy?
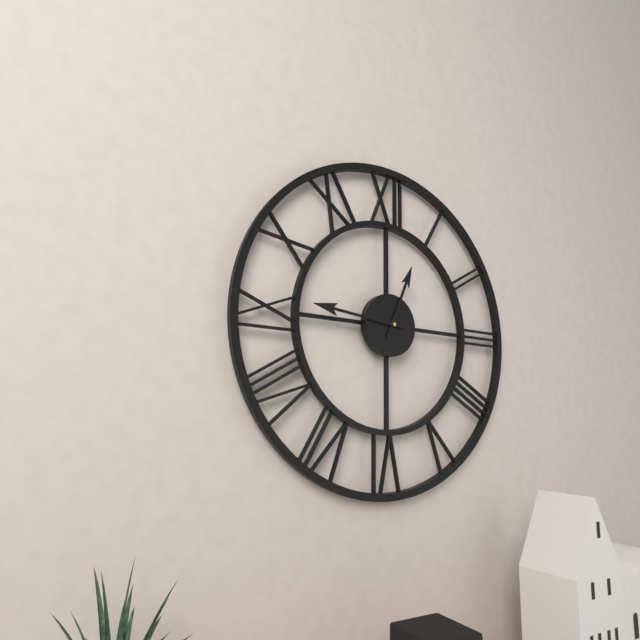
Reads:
h=12 m=46
